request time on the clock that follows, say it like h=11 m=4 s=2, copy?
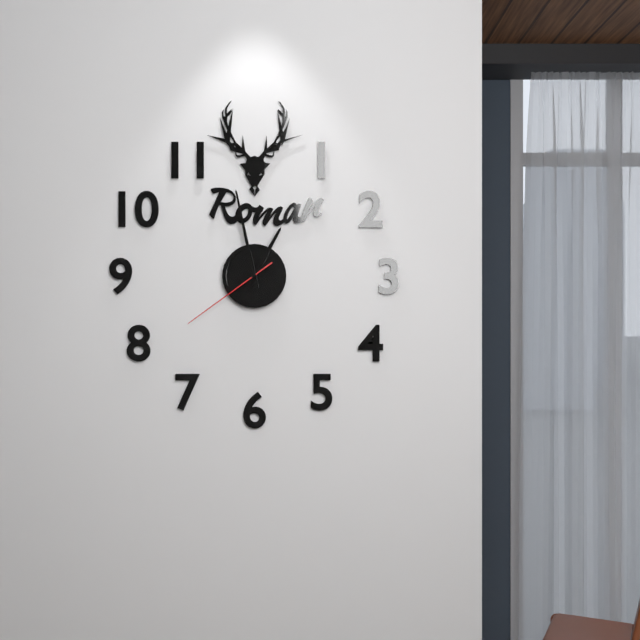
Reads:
h=12 m=58 s=39
